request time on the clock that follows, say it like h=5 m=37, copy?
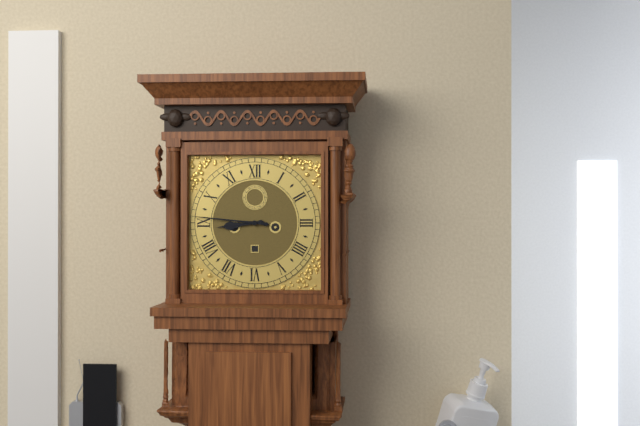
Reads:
h=8 m=46
